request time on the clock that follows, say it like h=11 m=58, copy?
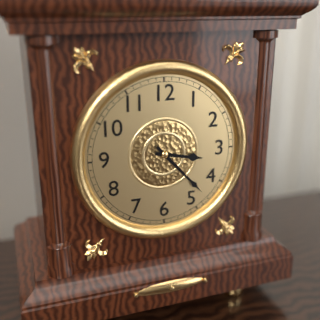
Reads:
h=3 m=23
